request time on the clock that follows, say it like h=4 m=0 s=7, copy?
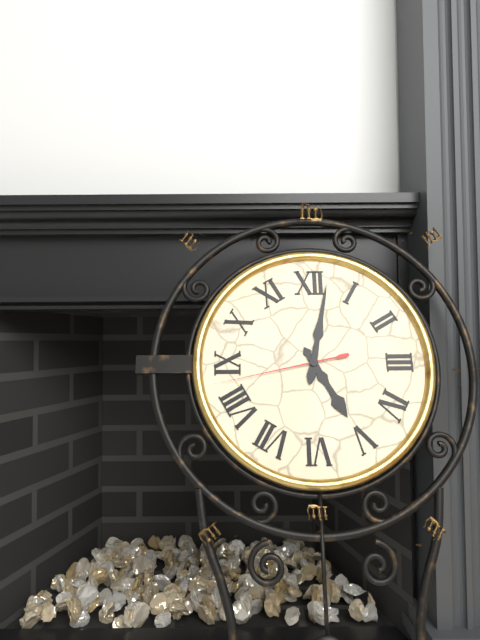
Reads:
h=5 m=2 s=43
